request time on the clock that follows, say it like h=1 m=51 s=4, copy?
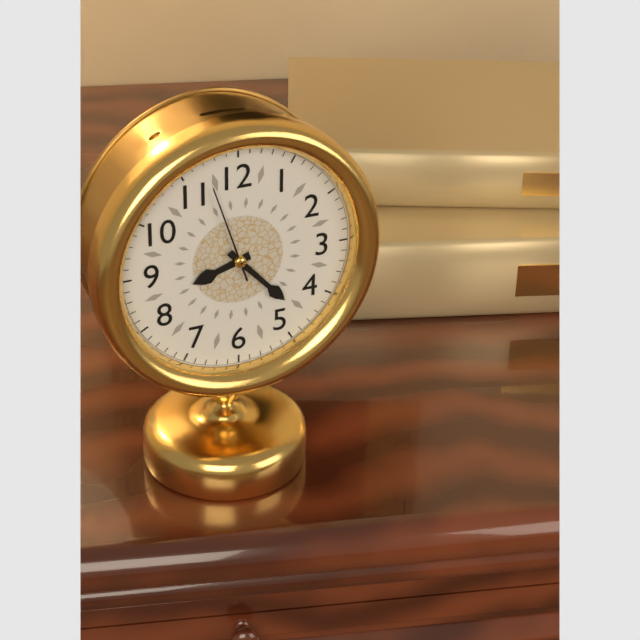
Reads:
h=8 m=23 s=57
